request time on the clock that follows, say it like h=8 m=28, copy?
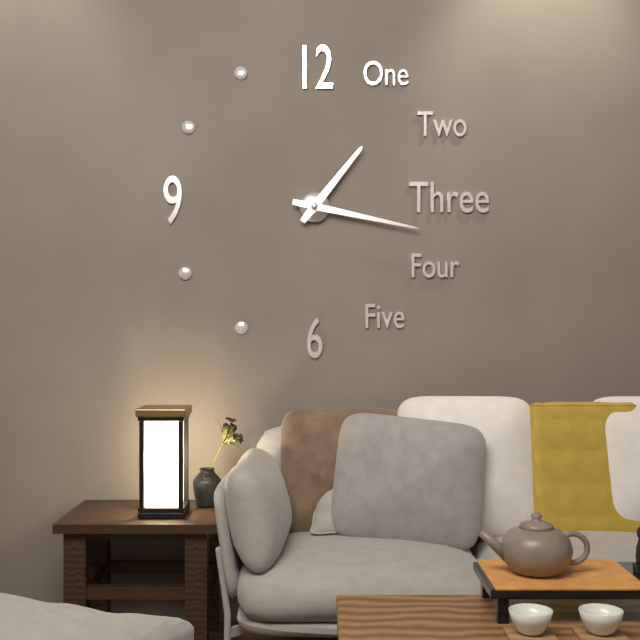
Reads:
h=1 m=17
